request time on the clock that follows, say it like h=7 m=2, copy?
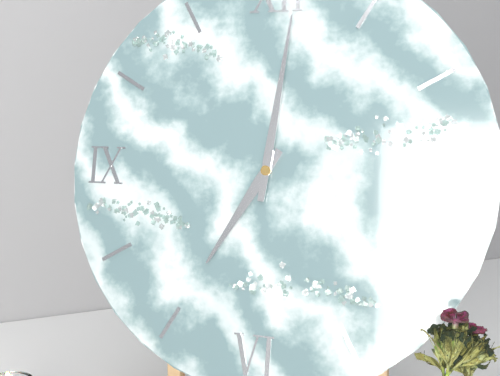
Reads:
h=7 m=1
